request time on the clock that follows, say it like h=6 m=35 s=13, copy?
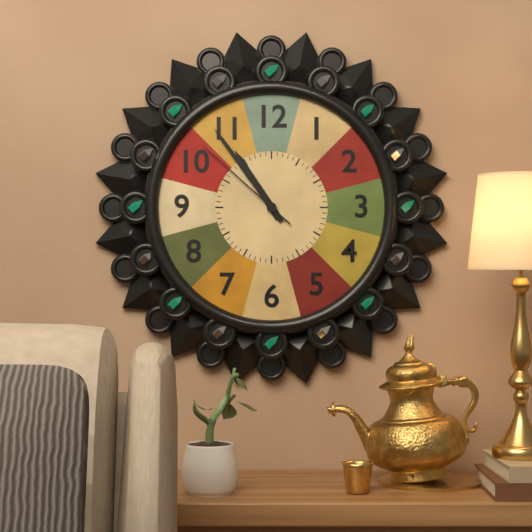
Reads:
h=10 m=54 s=52
